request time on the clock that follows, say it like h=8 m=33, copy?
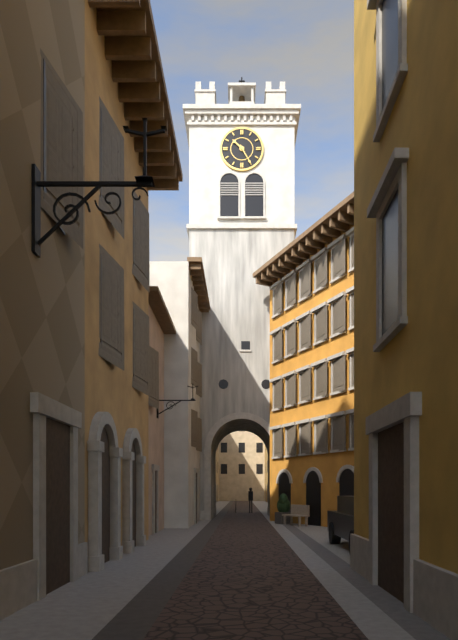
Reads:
h=10 m=25
